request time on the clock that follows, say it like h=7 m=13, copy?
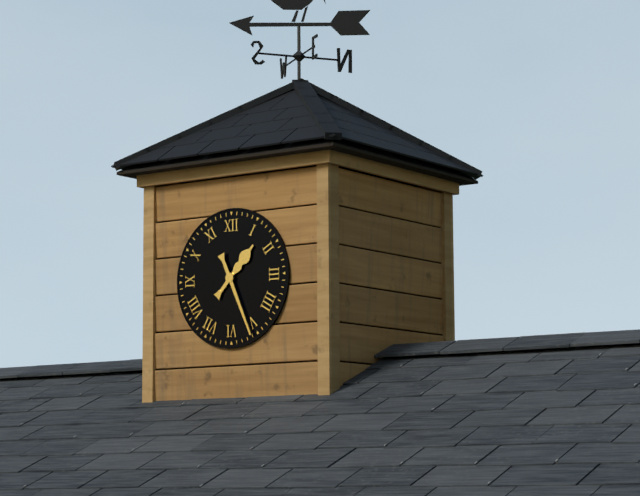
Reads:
h=1 m=26
